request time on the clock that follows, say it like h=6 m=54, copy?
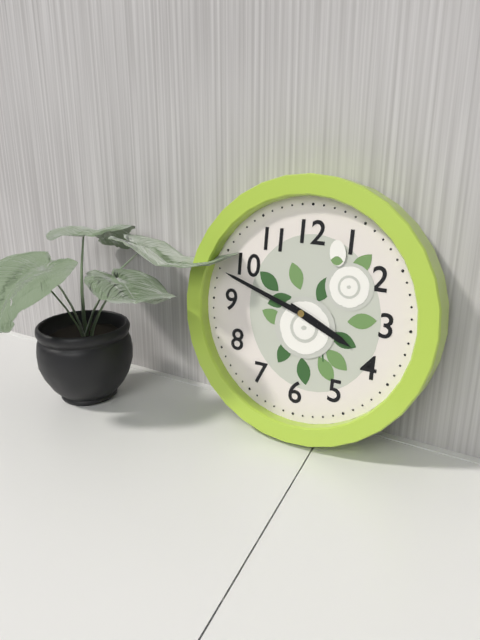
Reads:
h=3 m=48
